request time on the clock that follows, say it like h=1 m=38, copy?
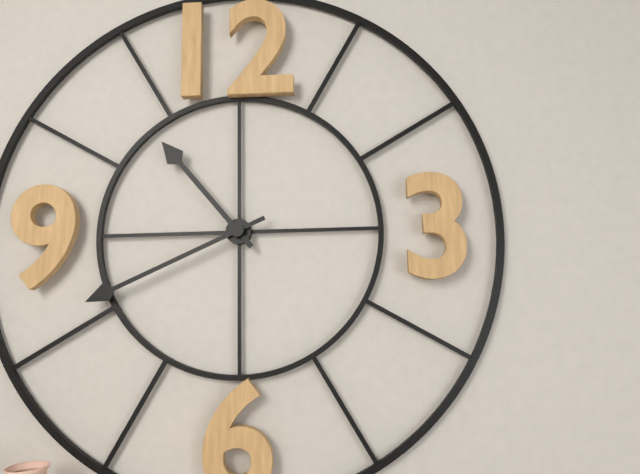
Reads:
h=10 m=41
